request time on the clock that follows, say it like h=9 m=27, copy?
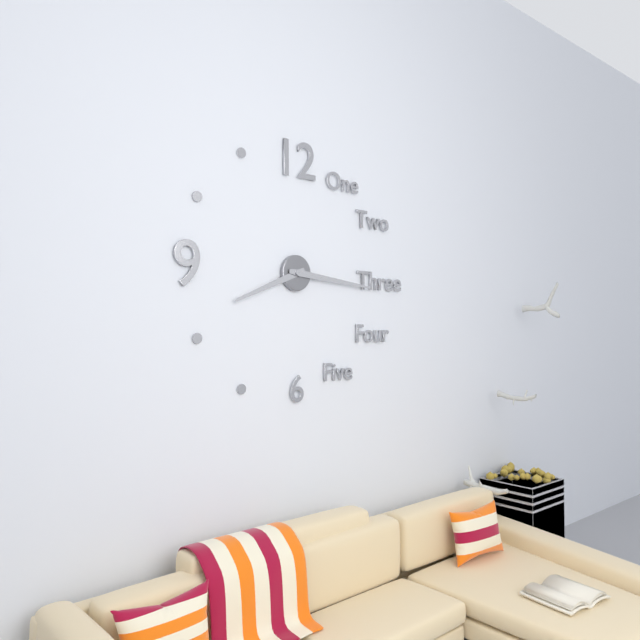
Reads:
h=8 m=16
